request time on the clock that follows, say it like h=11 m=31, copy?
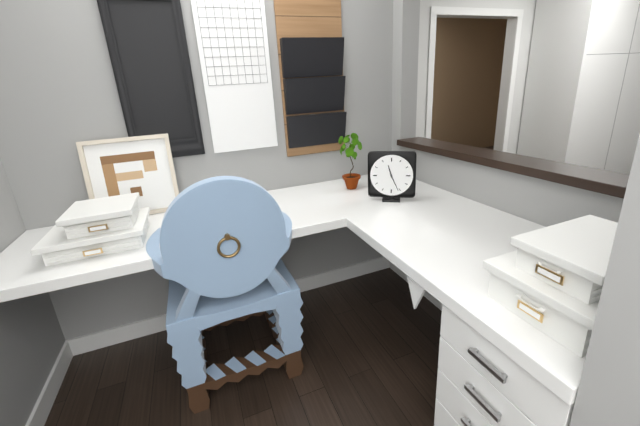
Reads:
h=11 m=26
